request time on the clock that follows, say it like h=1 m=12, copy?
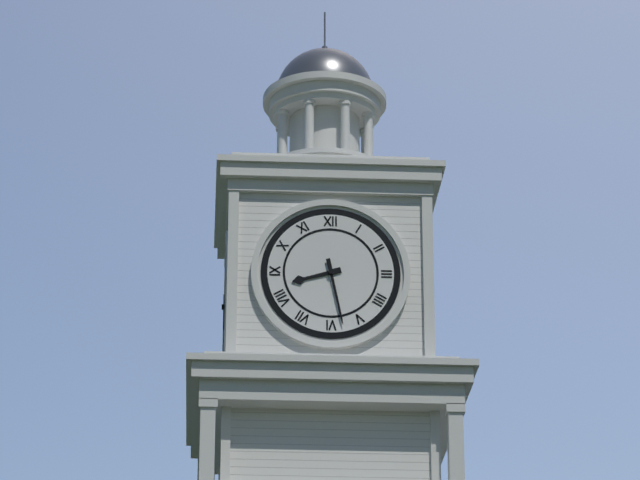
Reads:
h=8 m=28
